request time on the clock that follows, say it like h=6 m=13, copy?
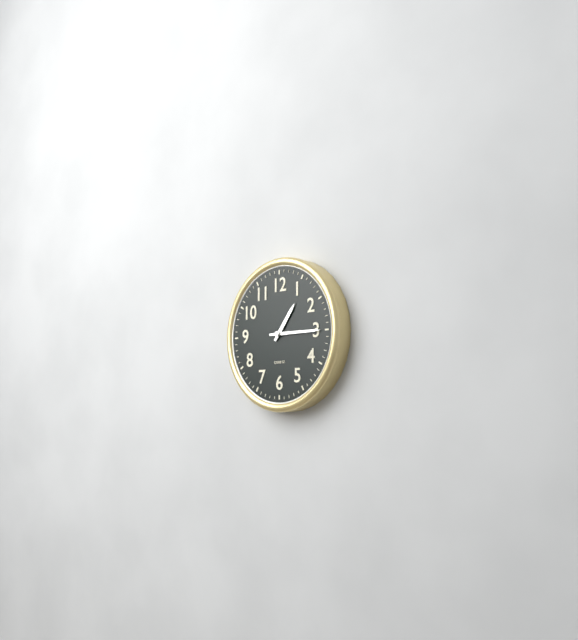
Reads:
h=1 m=15
